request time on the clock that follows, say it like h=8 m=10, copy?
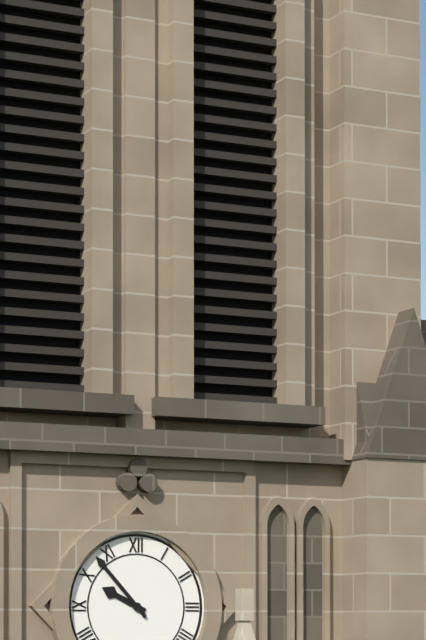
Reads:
h=9 m=53
